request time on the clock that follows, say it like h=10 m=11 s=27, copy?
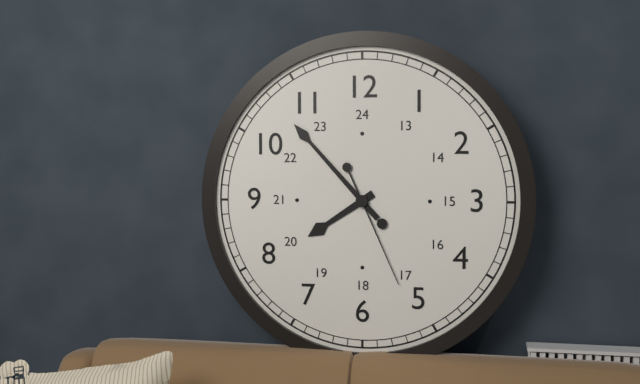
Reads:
h=7 m=53 s=26
